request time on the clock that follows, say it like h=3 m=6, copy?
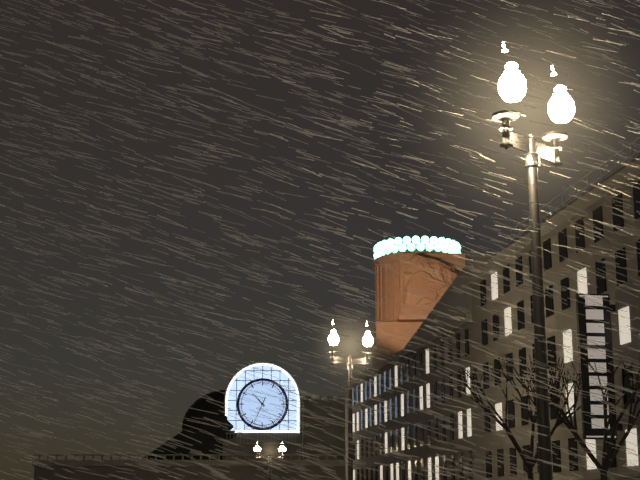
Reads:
h=10 m=34
